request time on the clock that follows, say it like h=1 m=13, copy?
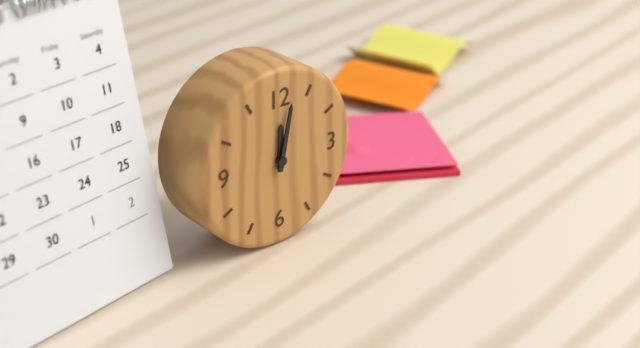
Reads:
h=12 m=2
